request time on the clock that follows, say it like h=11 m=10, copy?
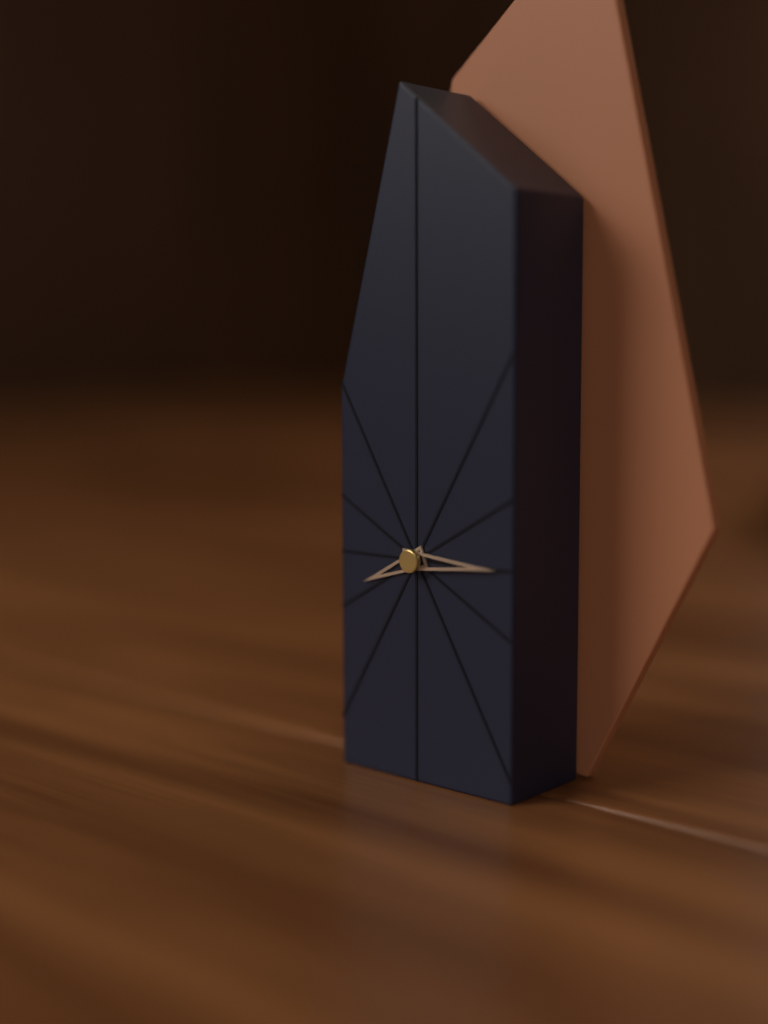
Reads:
h=8 m=15
